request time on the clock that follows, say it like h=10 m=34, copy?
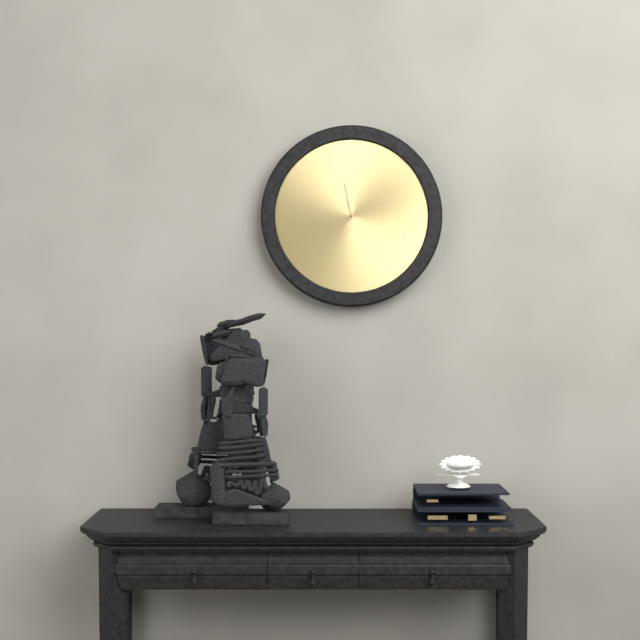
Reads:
h=6 m=58
